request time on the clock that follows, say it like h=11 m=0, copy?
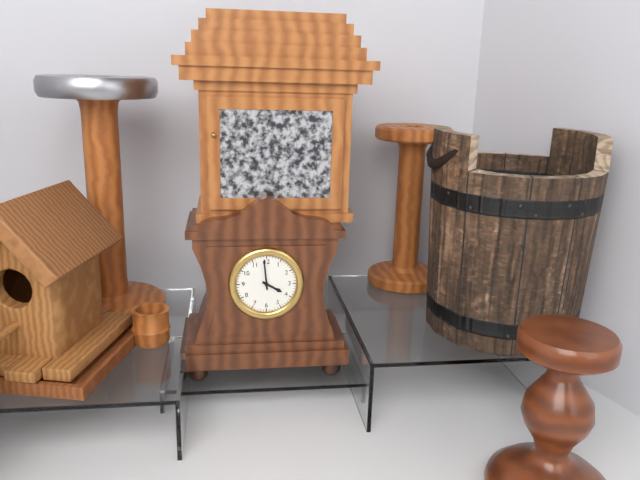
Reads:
h=3 m=59
